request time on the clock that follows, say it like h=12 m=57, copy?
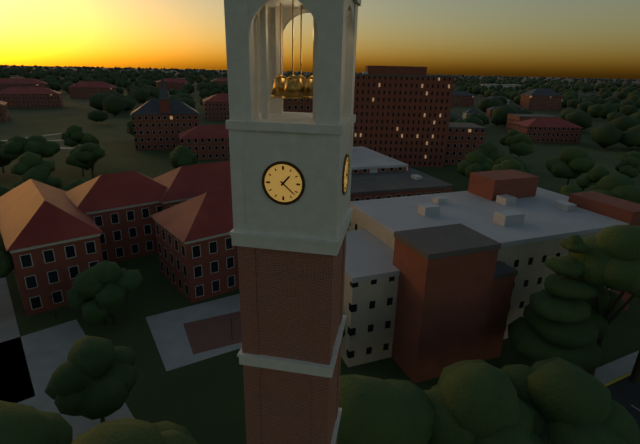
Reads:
h=1 m=22
